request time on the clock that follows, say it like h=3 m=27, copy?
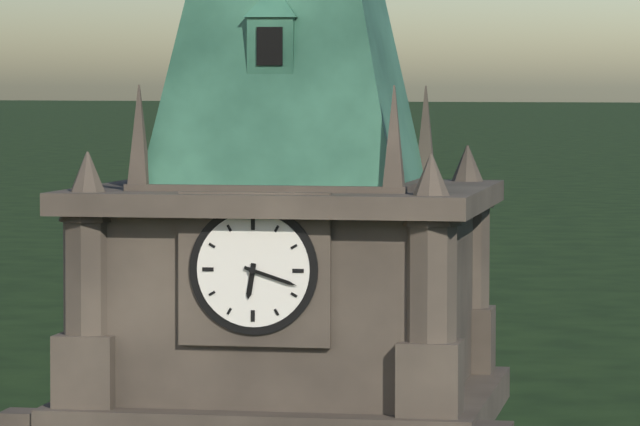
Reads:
h=6 m=18
